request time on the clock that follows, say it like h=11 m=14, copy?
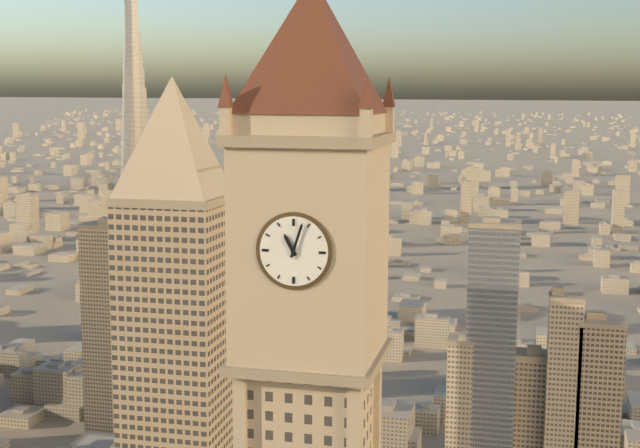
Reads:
h=11 m=3
